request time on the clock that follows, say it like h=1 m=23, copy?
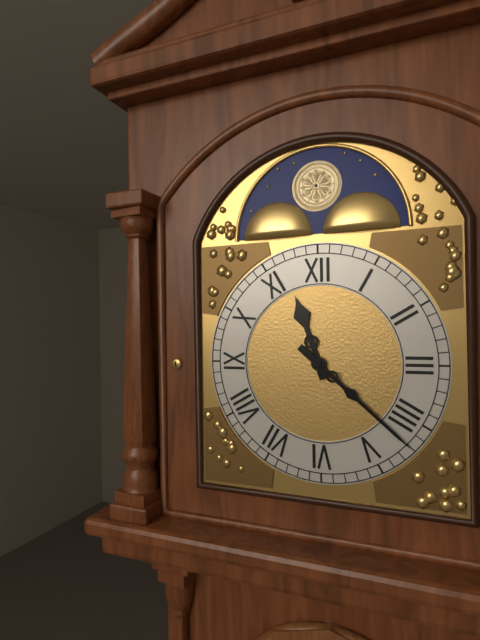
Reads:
h=11 m=22
